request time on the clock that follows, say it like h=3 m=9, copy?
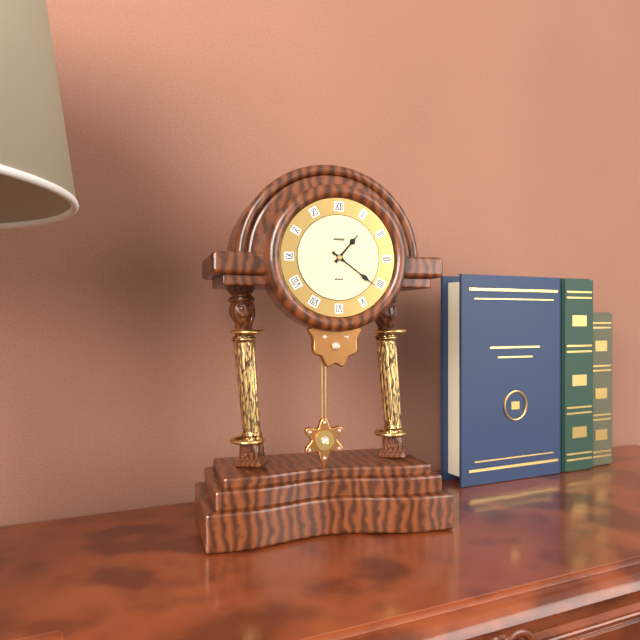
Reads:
h=1 m=21
